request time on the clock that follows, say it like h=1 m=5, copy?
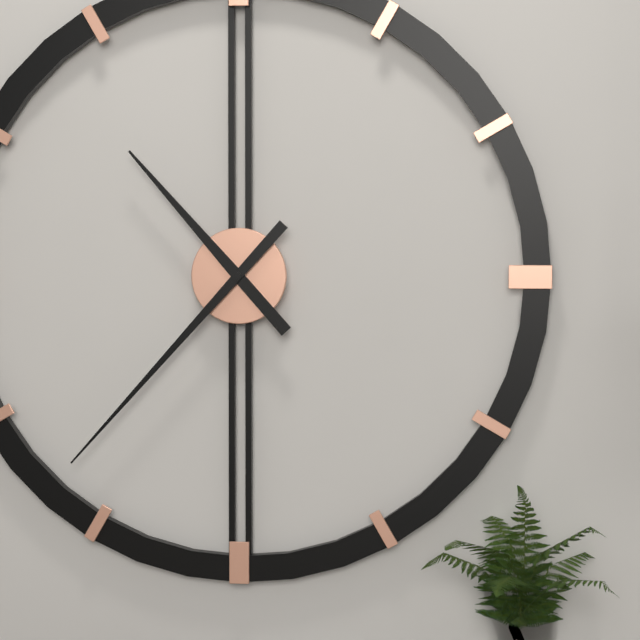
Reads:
h=10 m=37
